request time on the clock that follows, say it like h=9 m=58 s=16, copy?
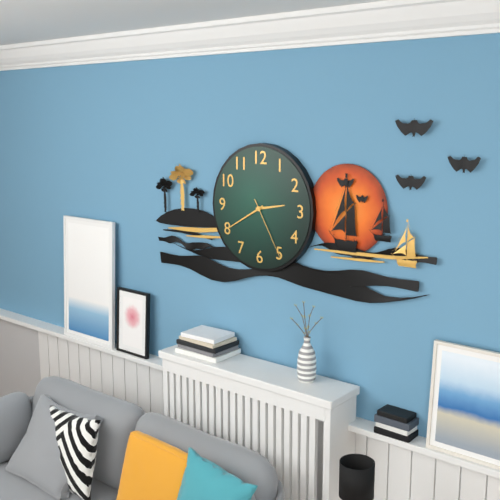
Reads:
h=2 m=40 s=25
